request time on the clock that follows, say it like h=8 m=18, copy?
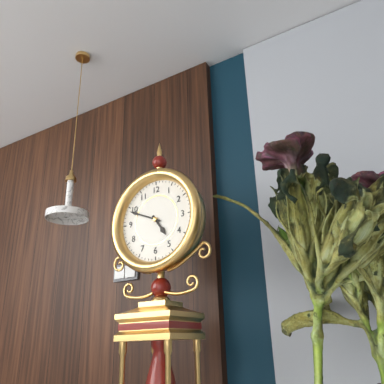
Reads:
h=4 m=49
